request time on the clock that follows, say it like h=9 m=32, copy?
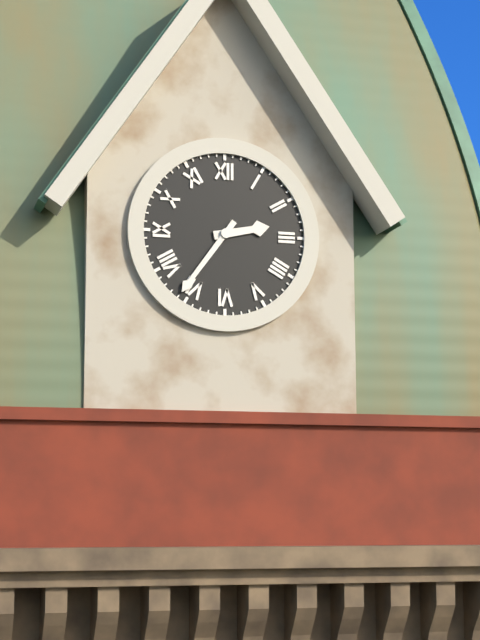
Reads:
h=2 m=36
